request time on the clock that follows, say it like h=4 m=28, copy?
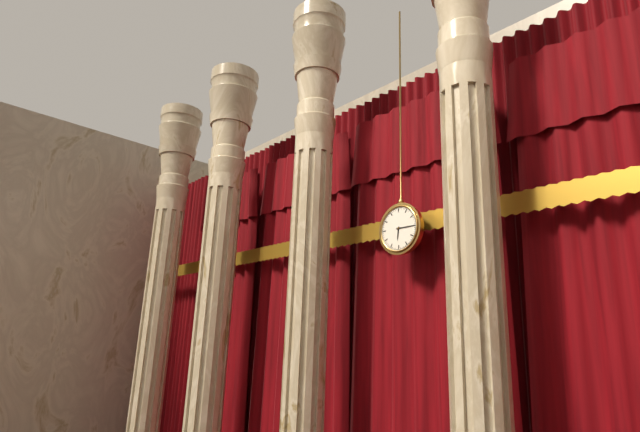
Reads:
h=6 m=15
